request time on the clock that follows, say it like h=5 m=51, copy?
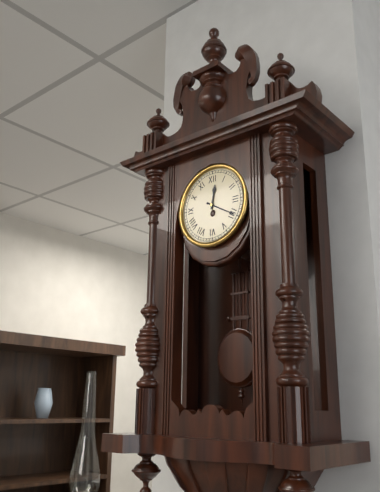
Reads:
h=12 m=20
